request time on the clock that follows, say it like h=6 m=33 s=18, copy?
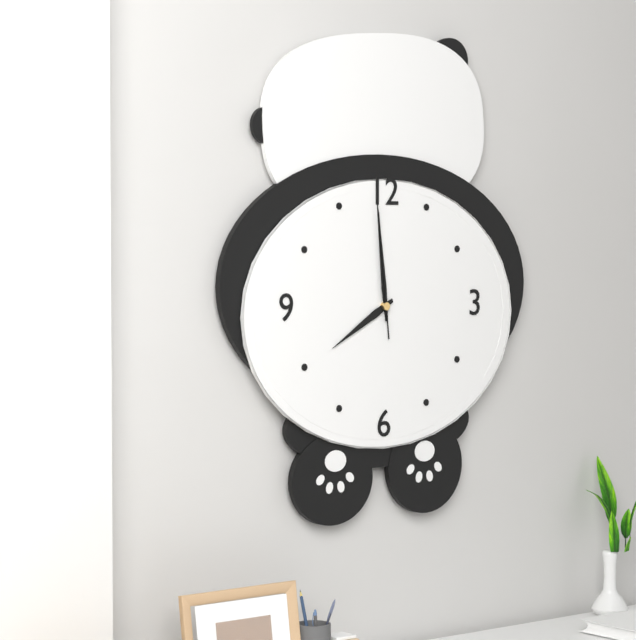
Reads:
h=7 m=59 s=59
